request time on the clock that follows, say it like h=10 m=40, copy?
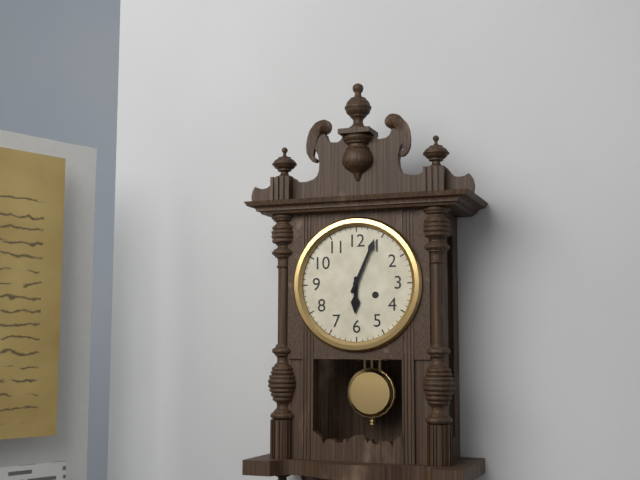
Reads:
h=6 m=4
